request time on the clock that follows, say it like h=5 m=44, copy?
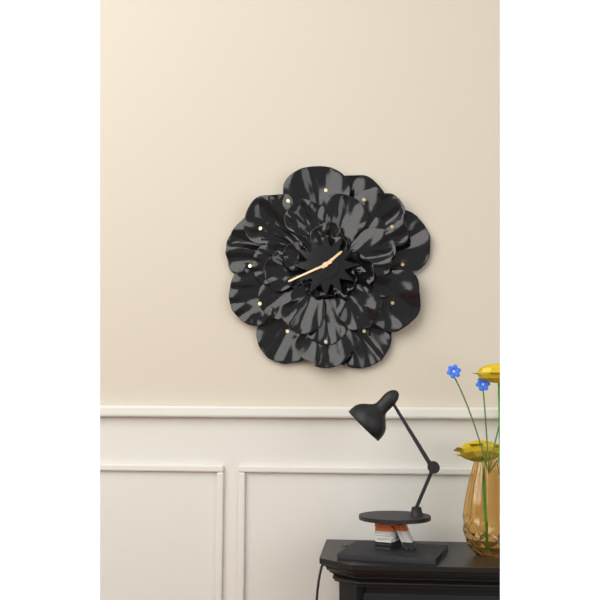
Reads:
h=1 m=41
